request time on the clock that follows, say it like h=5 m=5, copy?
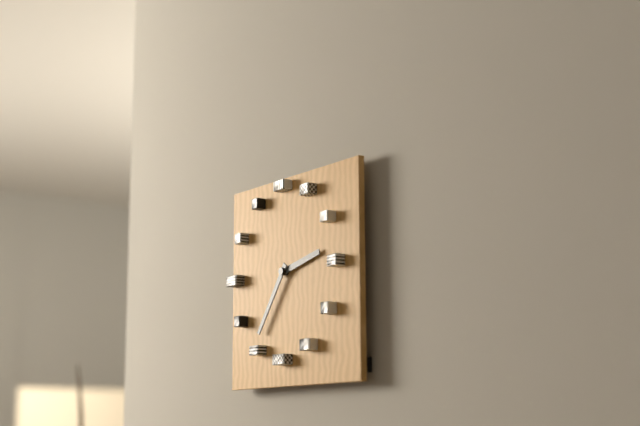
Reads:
h=2 m=36
